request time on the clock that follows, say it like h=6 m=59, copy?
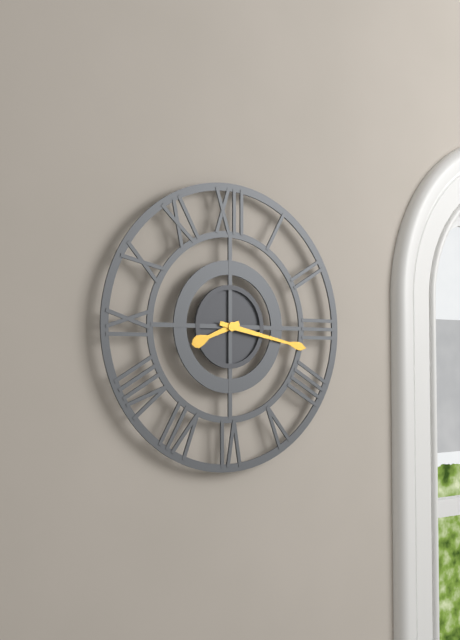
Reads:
h=8 m=17
